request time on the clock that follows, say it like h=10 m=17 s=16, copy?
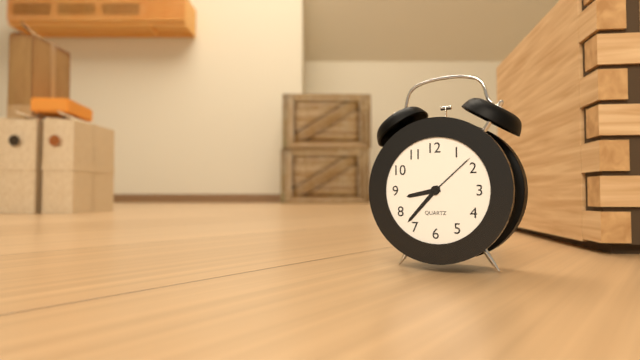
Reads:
h=8 m=37 s=8
